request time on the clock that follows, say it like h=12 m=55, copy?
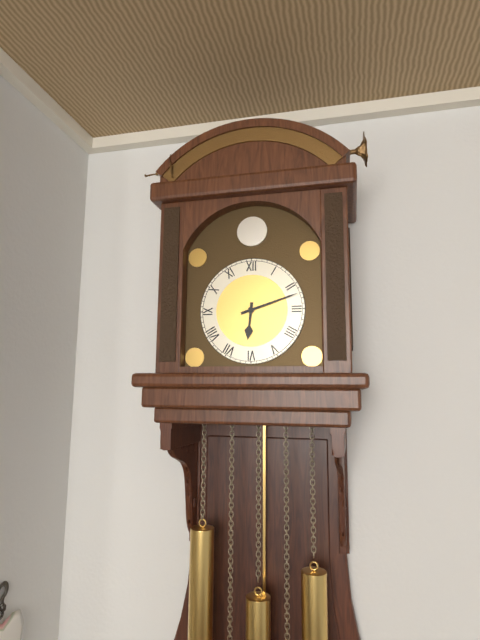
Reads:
h=6 m=12
